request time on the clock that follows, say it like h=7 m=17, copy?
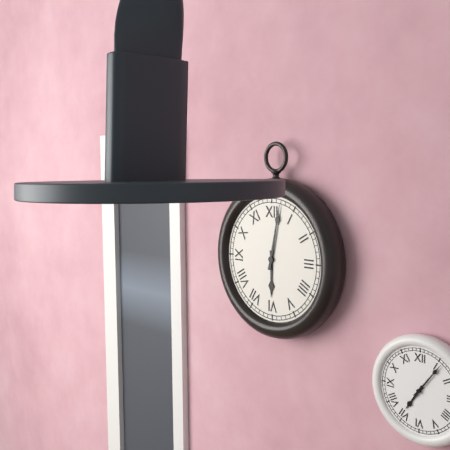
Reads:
h=6 m=2
